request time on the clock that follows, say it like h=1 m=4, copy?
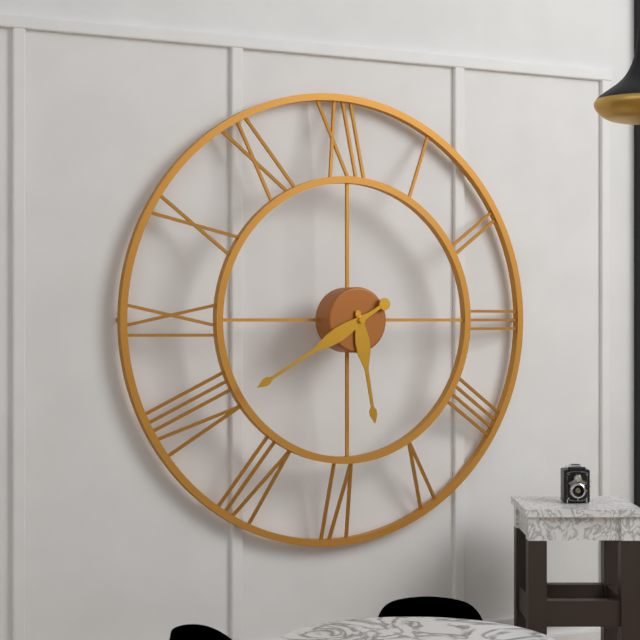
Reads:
h=5 m=40
